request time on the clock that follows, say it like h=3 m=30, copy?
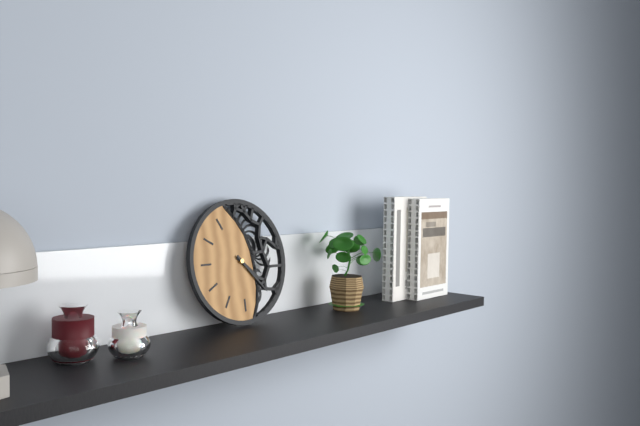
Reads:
h=4 m=23
